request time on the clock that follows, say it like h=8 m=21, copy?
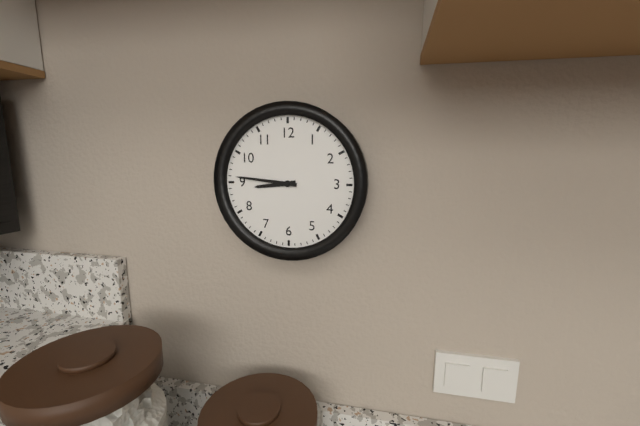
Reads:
h=8 m=46
